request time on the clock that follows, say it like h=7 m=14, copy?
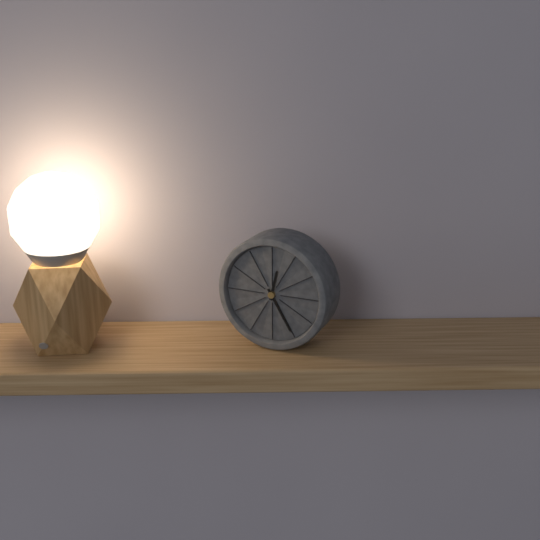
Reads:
h=12 m=25
